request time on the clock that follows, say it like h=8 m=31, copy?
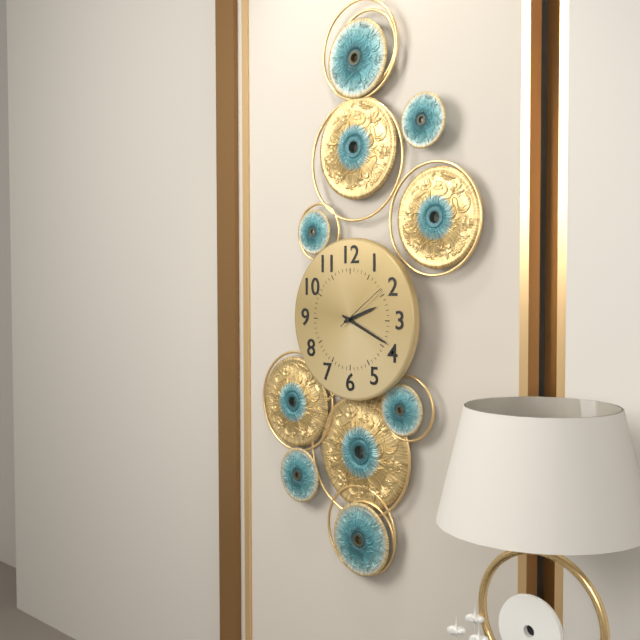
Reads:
h=2 m=19
